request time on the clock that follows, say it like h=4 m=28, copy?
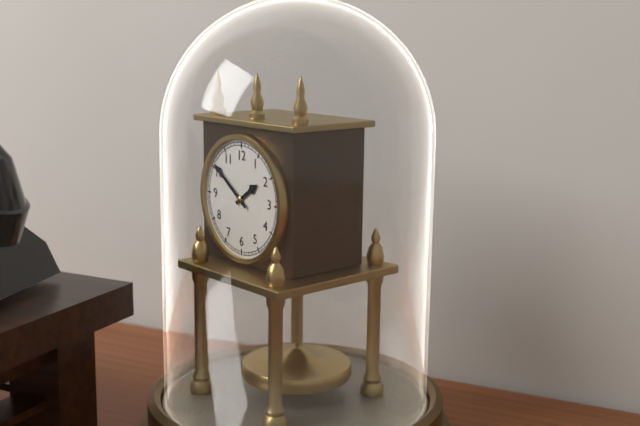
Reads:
h=1 m=51
